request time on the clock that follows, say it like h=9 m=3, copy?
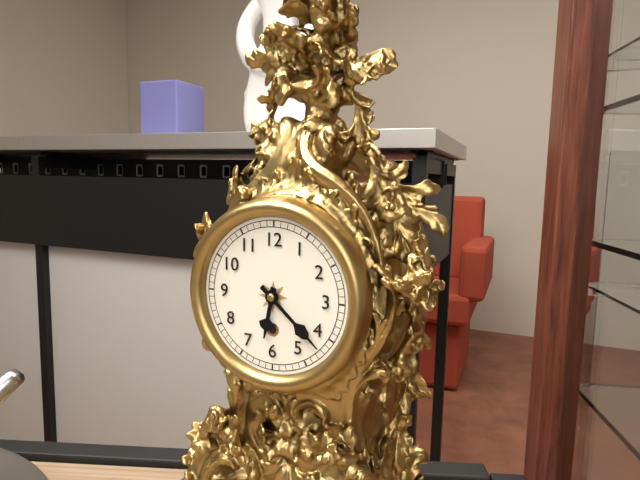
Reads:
h=6 m=22
